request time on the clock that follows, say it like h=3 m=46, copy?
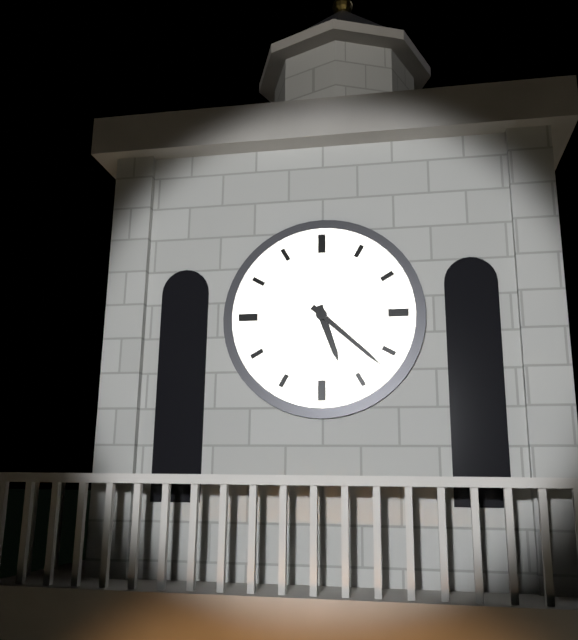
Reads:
h=5 m=22
